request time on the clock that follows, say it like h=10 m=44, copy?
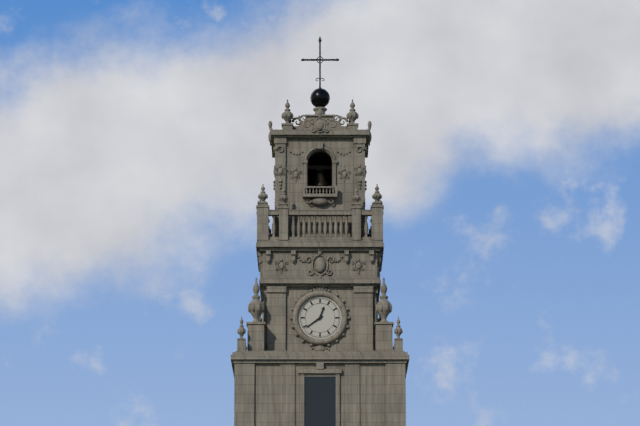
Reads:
h=12 m=39
